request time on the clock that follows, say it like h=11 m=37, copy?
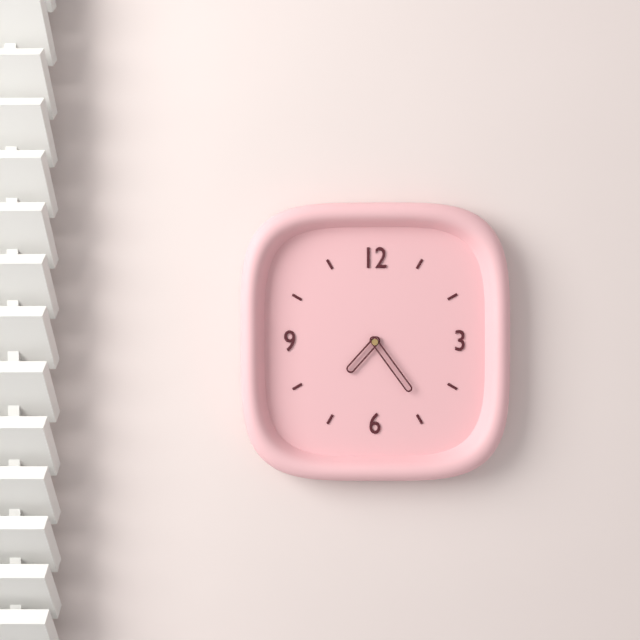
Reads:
h=7 m=24
